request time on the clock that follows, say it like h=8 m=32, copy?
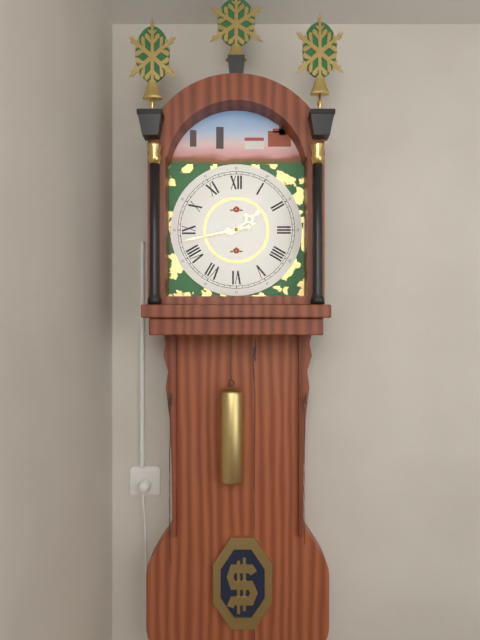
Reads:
h=1 m=43
